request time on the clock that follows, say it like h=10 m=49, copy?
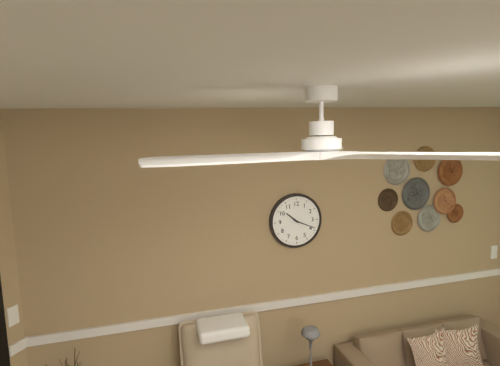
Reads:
h=10 m=19
